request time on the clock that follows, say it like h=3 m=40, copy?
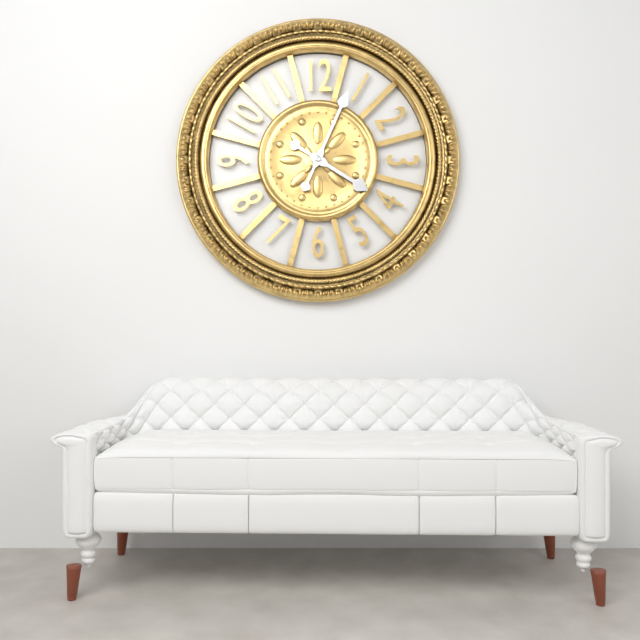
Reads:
h=4 m=4
